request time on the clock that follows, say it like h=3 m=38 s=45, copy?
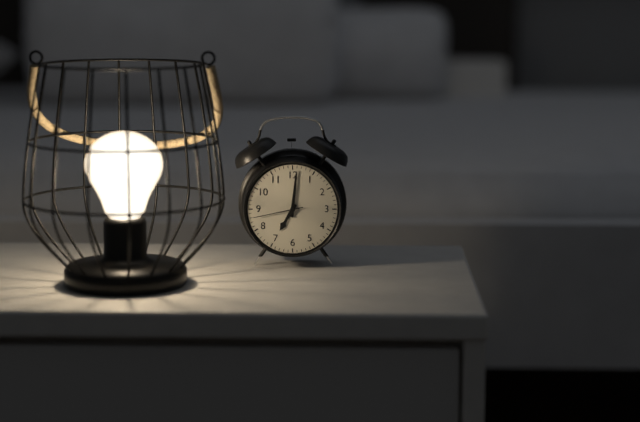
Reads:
h=7 m=1 s=43
